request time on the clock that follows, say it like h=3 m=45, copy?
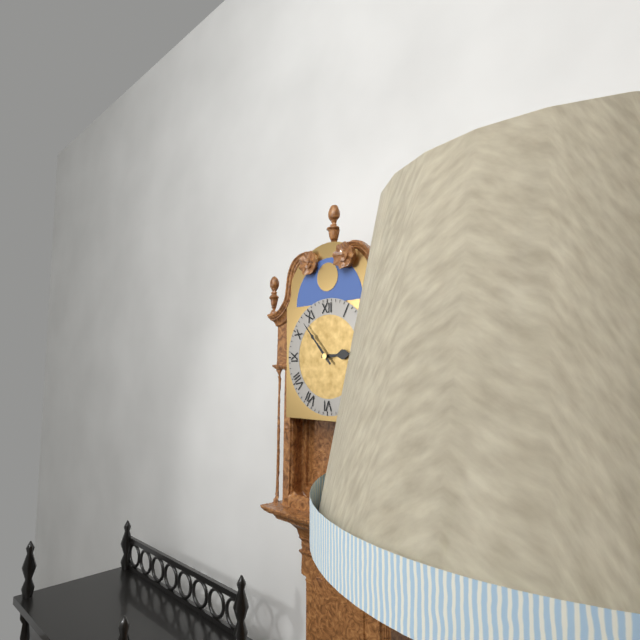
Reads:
h=2 m=53
